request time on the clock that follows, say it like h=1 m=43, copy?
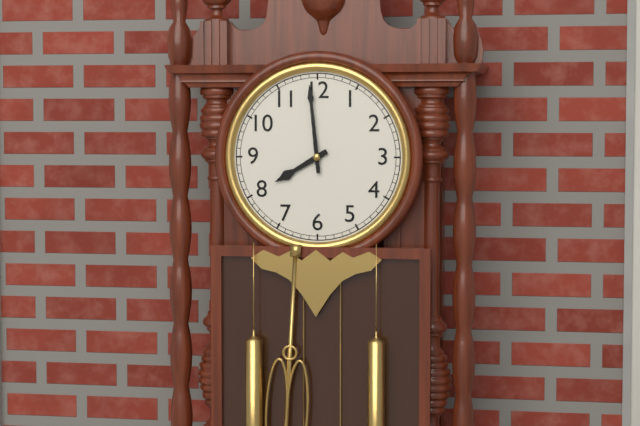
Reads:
h=7 m=59
